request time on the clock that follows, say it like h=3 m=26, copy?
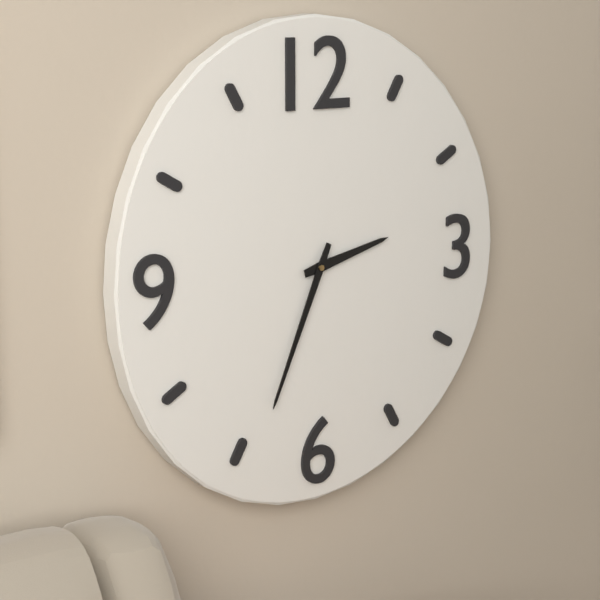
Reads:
h=2 m=34
